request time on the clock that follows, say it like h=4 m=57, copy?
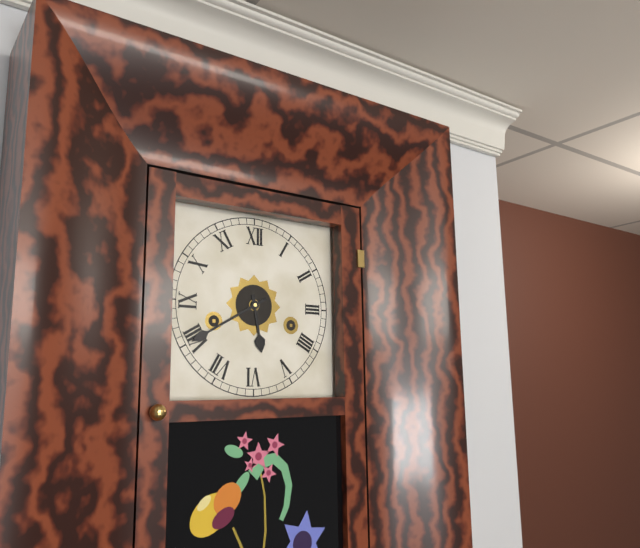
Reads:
h=5 m=40
